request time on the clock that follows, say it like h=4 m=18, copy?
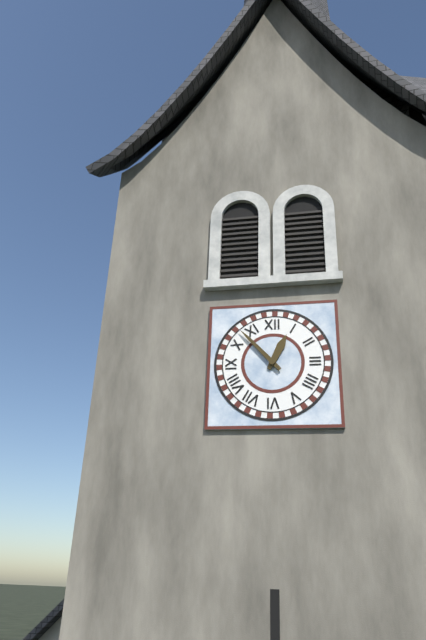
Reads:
h=12 m=53
